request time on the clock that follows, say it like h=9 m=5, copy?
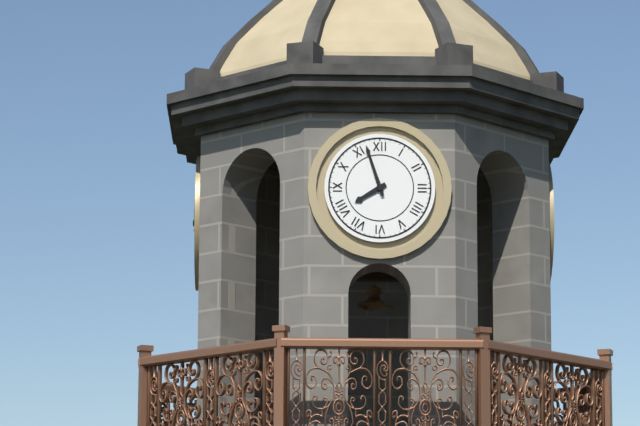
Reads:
h=7 m=57
